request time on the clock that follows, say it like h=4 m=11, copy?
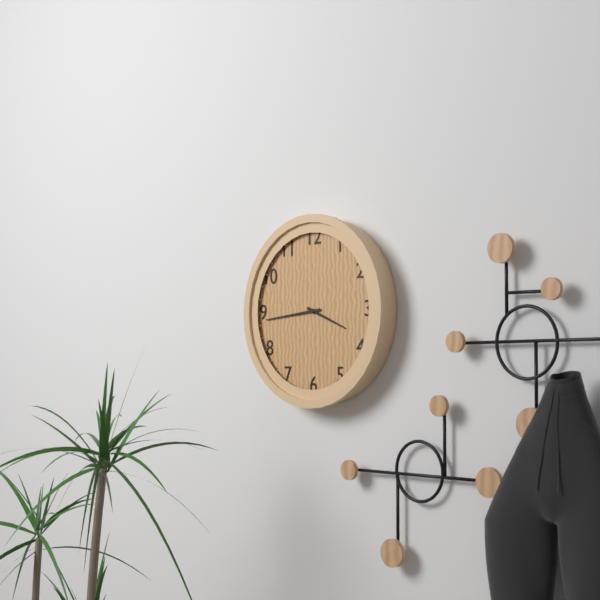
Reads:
h=3 m=44
